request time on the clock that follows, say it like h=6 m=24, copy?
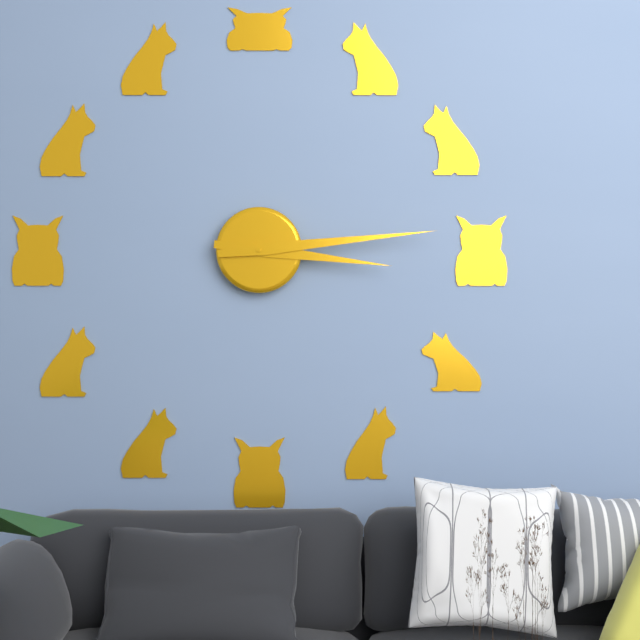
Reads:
h=3 m=14
